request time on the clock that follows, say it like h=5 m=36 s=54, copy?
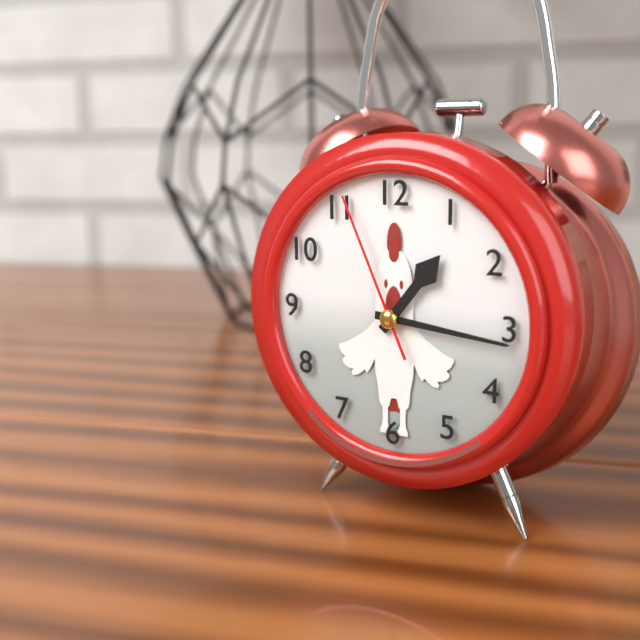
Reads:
h=1 m=16 s=56
